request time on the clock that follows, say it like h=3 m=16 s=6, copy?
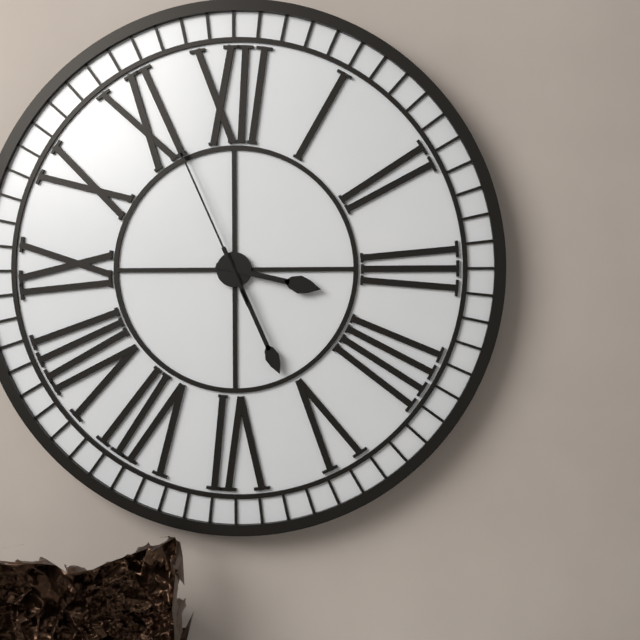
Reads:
h=3 m=26 s=56
